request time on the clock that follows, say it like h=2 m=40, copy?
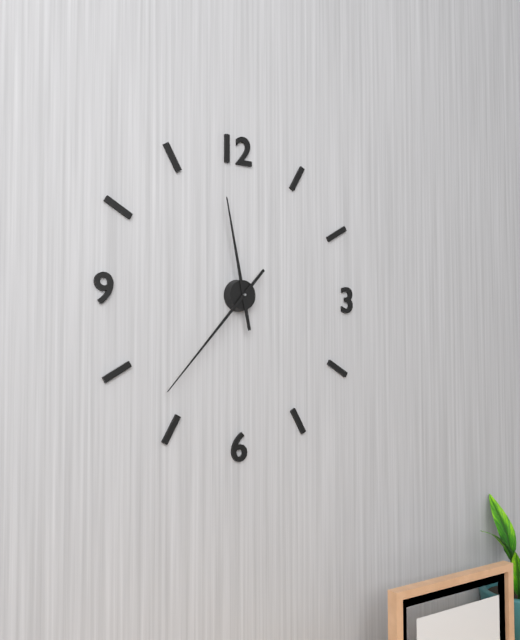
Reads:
h=11 m=37
